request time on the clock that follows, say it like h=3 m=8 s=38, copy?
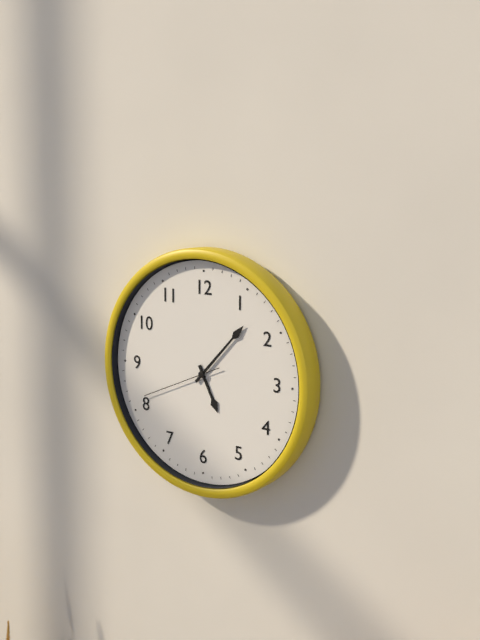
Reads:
h=5 m=7 s=41
